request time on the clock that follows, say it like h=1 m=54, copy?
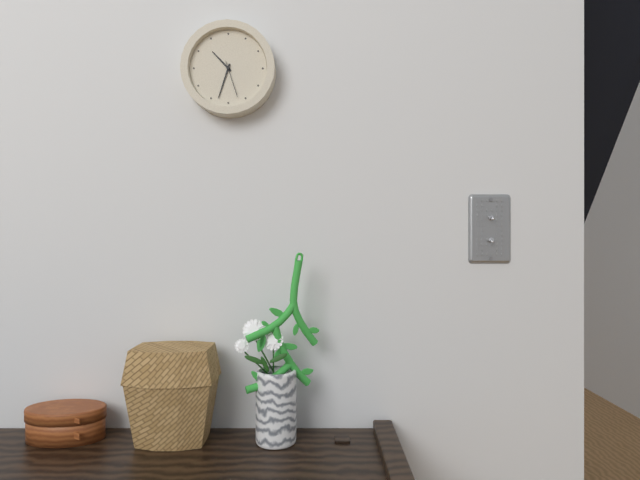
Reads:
h=10 m=33
